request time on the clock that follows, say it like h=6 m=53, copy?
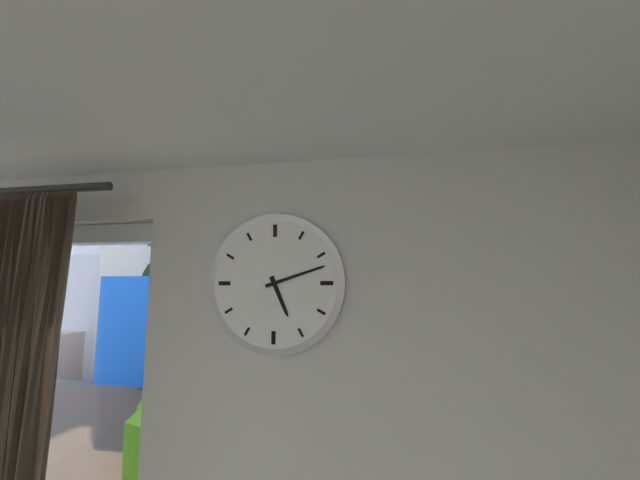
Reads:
h=5 m=12
